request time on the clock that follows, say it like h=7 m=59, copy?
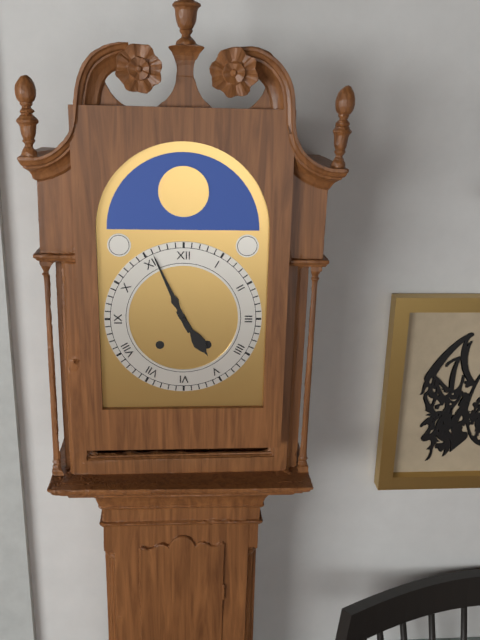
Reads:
h=4 m=56
